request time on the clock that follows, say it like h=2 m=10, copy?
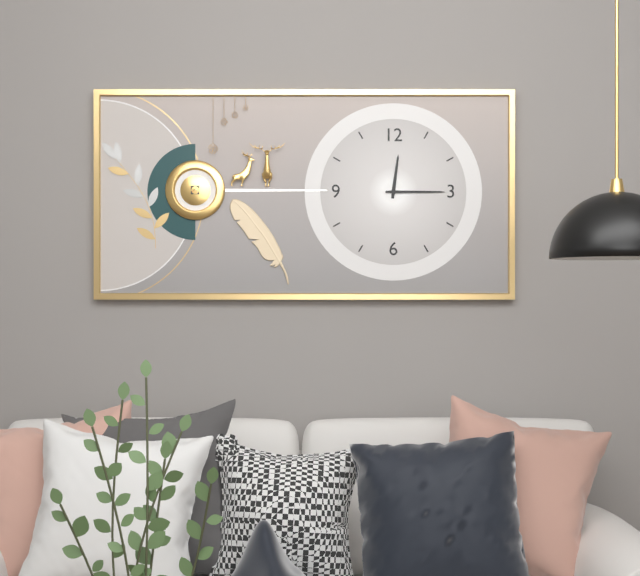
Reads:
h=12 m=15
